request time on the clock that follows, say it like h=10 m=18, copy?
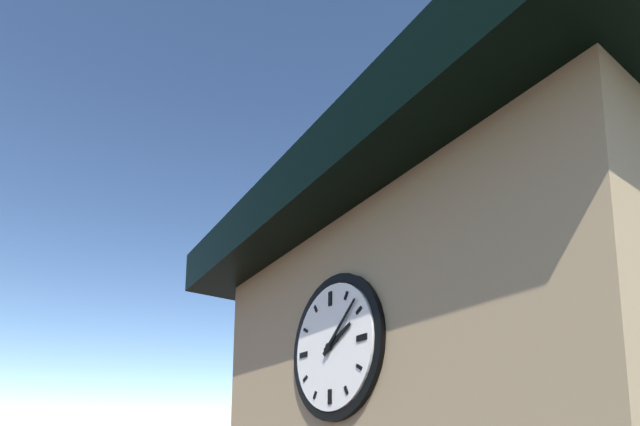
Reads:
h=2 m=8
